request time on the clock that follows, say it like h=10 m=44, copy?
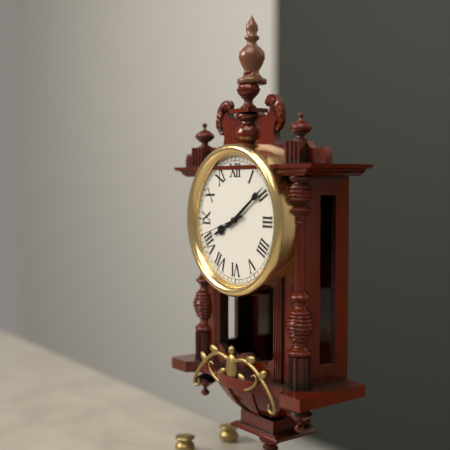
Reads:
h=8 m=9
